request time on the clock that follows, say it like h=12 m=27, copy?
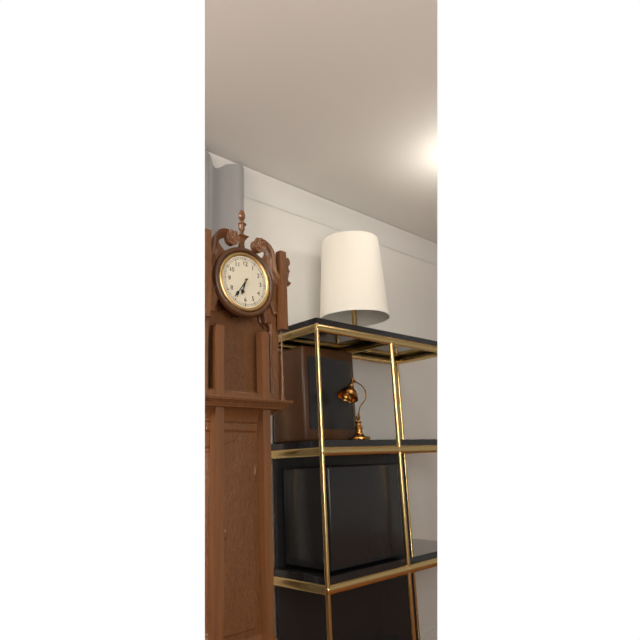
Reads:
h=6 m=36
